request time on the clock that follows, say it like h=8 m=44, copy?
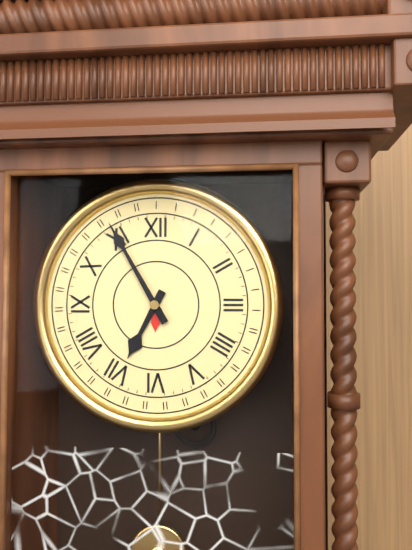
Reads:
h=6 m=55
